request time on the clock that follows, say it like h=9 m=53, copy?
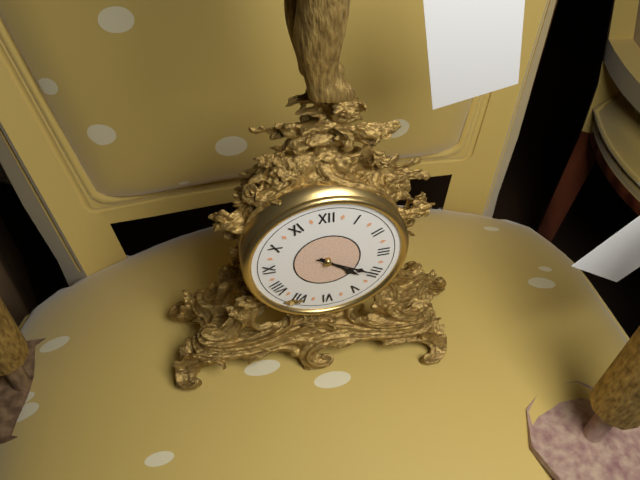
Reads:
h=4 m=20
